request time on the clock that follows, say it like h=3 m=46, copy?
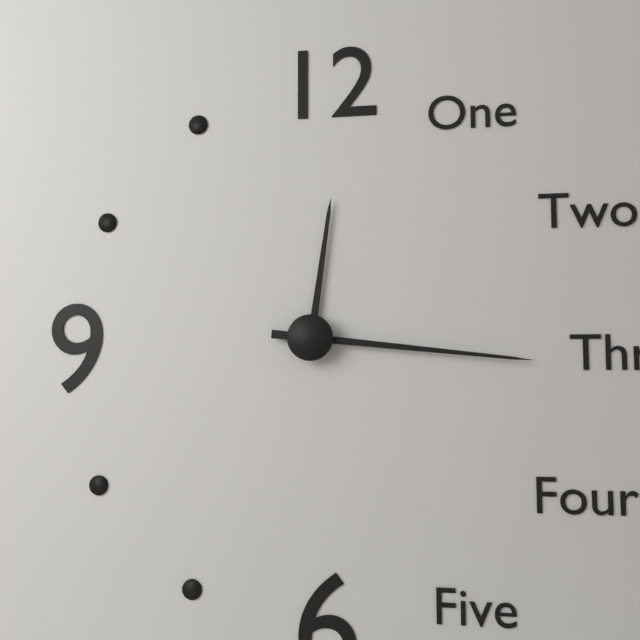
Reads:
h=12 m=16
